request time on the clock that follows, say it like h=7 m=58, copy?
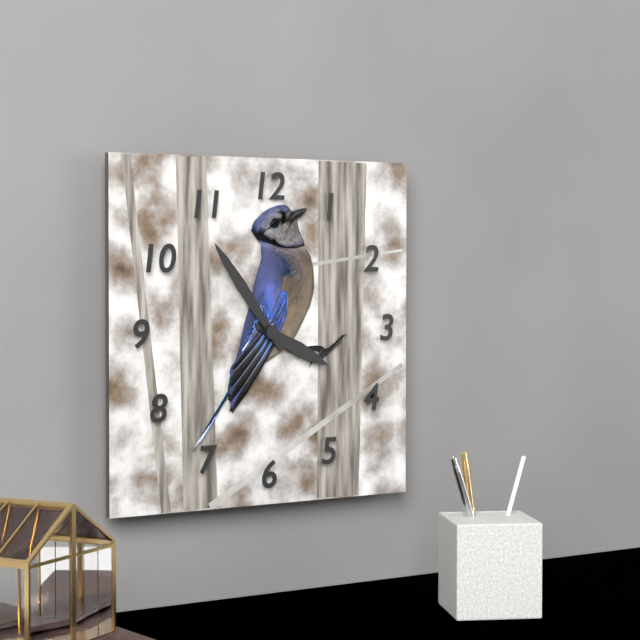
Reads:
h=3 m=54
